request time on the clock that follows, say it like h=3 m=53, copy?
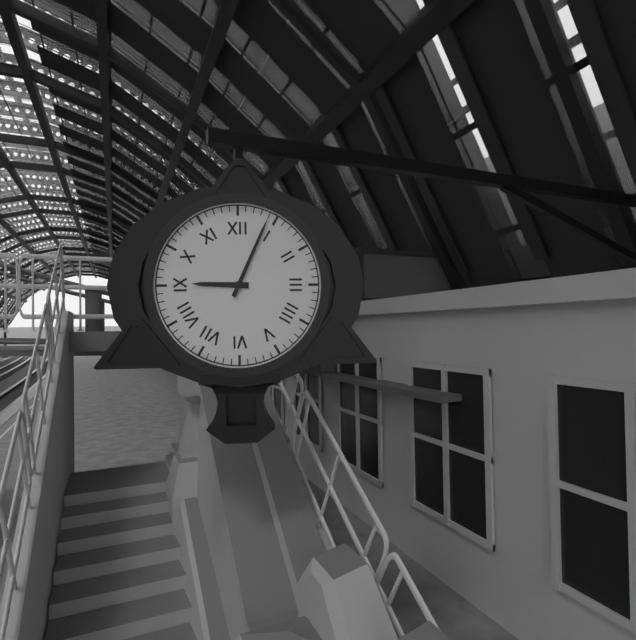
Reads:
h=9 m=4
